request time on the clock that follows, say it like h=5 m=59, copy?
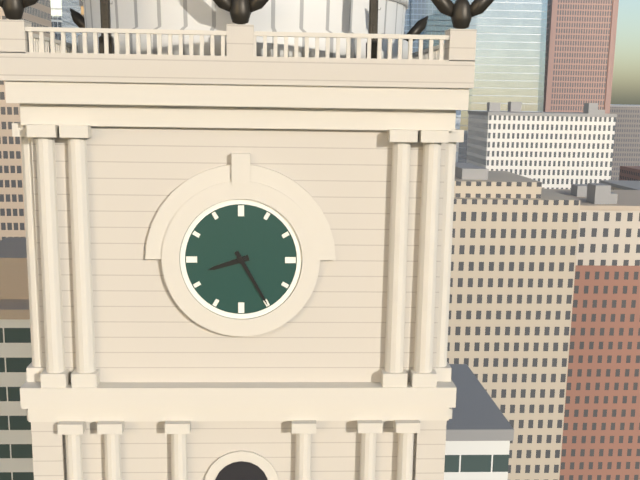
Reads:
h=8 m=25
